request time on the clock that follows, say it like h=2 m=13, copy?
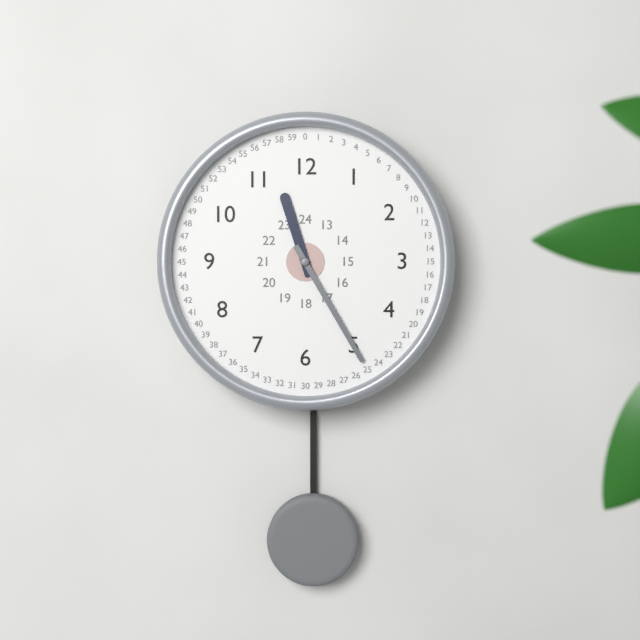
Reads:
h=11 m=25
